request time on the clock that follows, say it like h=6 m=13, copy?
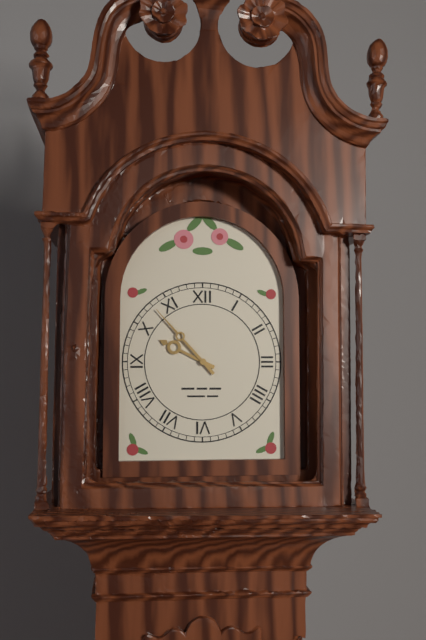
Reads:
h=9 m=53
